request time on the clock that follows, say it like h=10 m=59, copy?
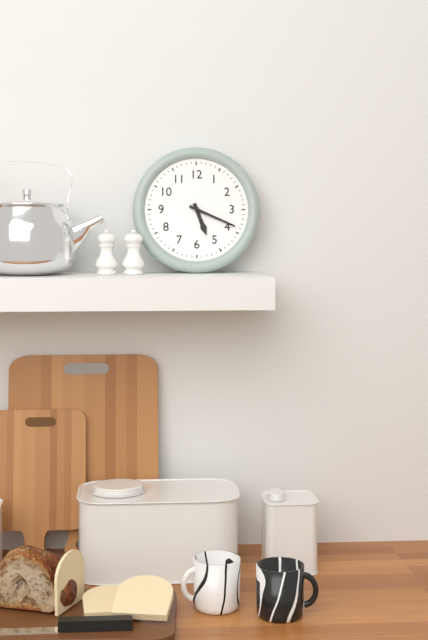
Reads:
h=5 m=19
